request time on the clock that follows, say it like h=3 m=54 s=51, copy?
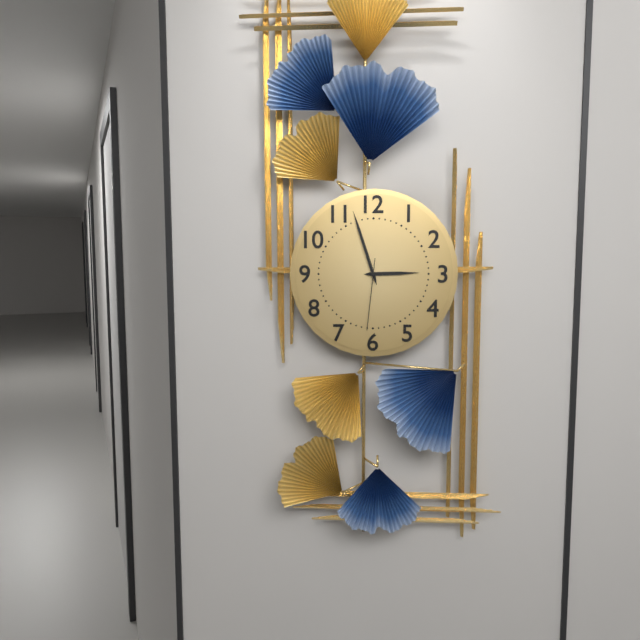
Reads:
h=2 m=57 s=31
